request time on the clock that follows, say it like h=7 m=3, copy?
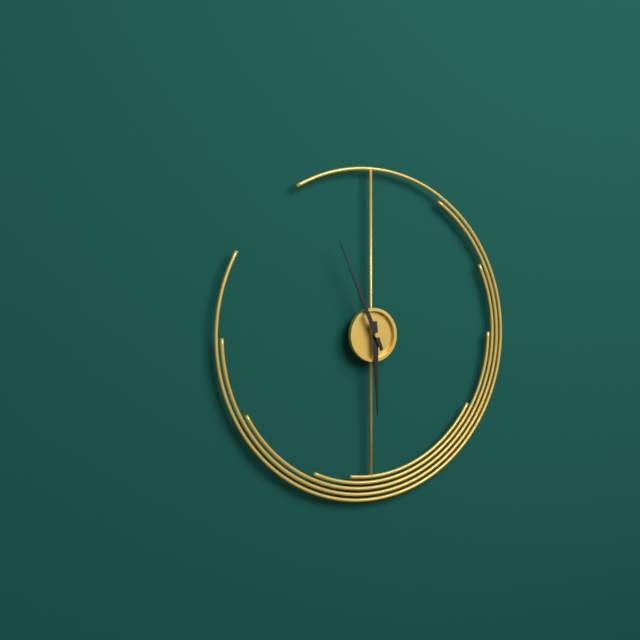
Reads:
h=5 m=56
